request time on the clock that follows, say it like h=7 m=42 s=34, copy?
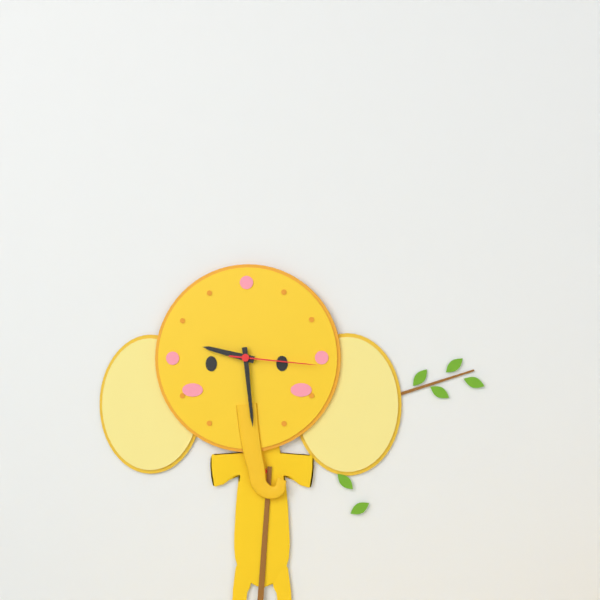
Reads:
h=9 m=29 s=16
